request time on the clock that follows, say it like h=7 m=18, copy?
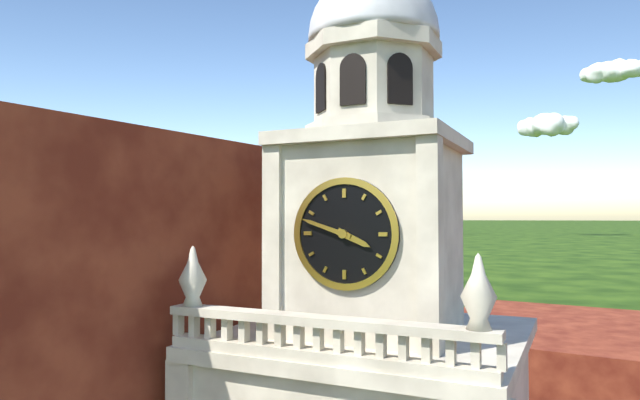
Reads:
h=3 m=48
